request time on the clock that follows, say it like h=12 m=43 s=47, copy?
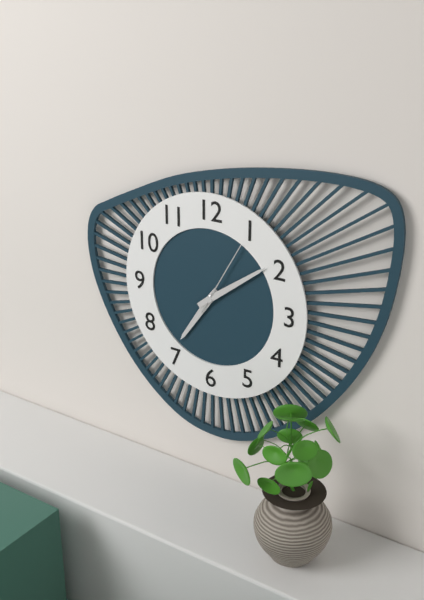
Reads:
h=7 m=9 s=5
